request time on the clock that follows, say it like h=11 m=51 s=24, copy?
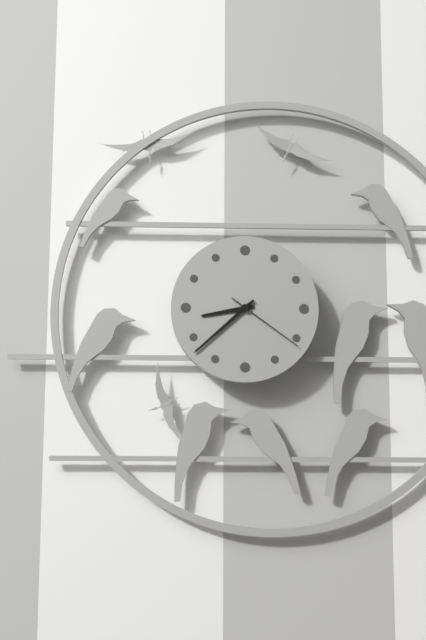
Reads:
h=8 m=38 s=21
